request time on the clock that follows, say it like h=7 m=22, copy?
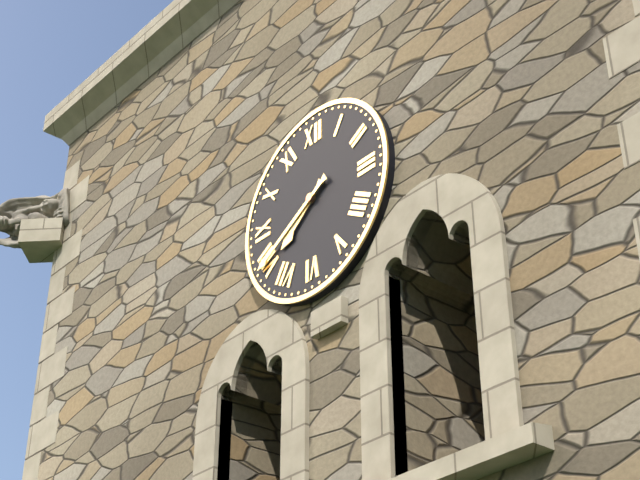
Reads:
h=7 m=40
